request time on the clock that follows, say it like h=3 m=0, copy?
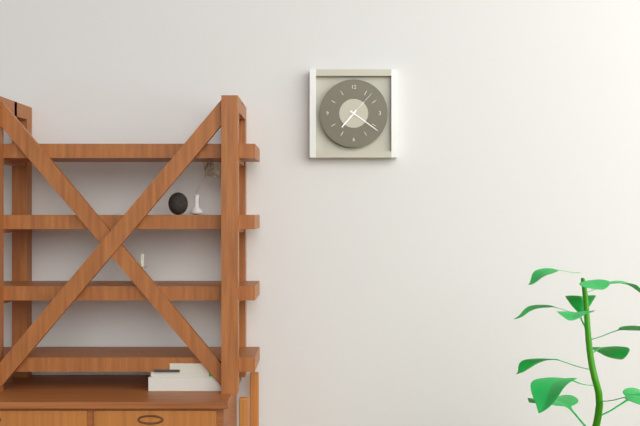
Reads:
h=7 m=21
